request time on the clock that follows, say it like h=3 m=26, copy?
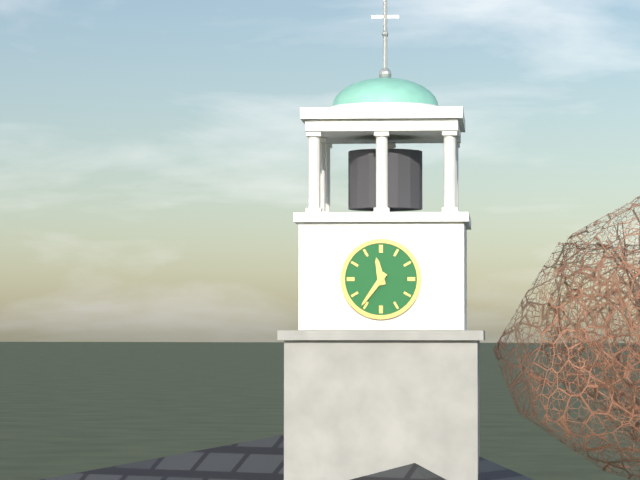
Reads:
h=11 m=36
